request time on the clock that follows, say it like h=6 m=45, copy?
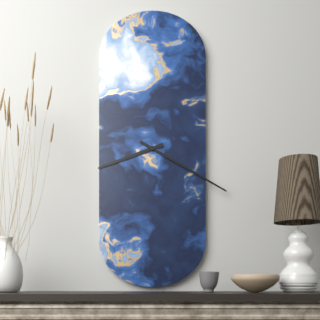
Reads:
h=8 m=20
